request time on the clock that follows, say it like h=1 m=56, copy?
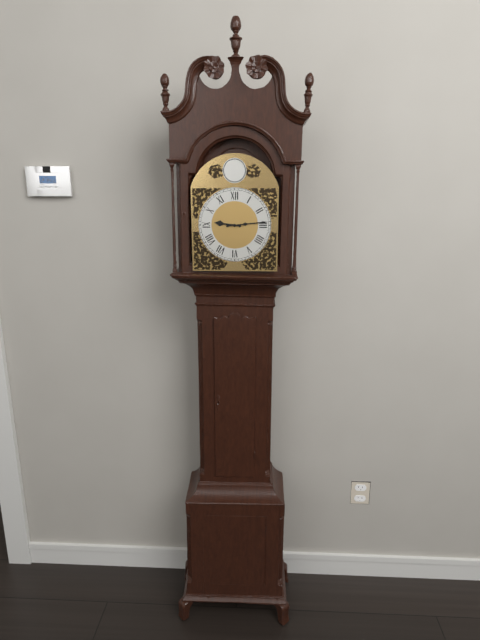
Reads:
h=9 m=14
